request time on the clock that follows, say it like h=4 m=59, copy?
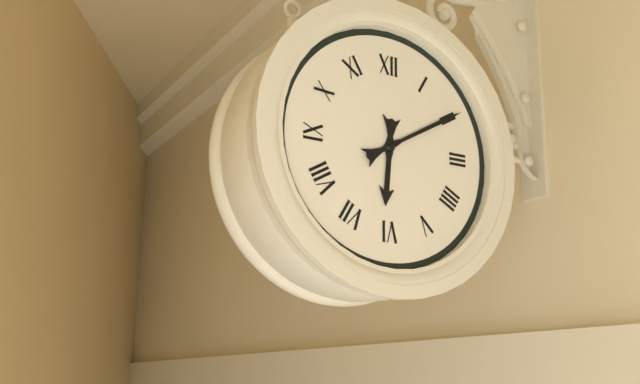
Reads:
h=6 m=10
